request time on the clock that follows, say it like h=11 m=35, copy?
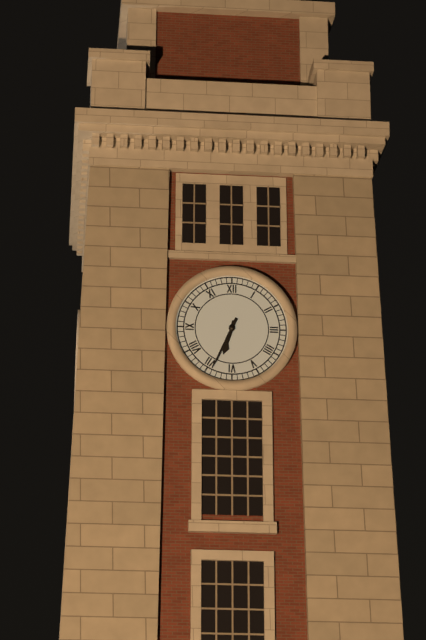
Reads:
h=6 m=34
